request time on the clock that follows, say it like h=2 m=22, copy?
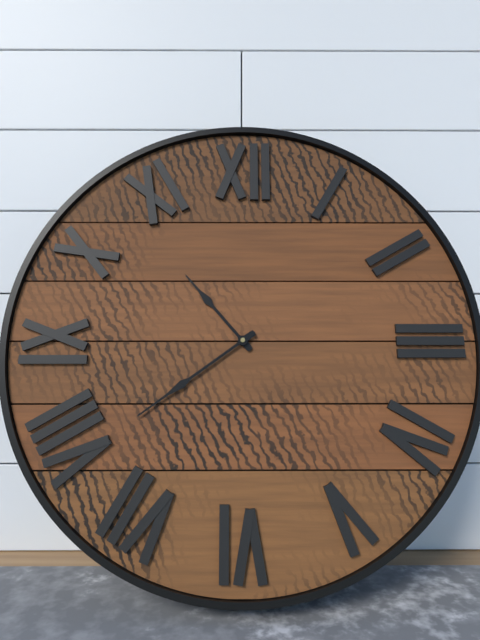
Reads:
h=10 m=39
